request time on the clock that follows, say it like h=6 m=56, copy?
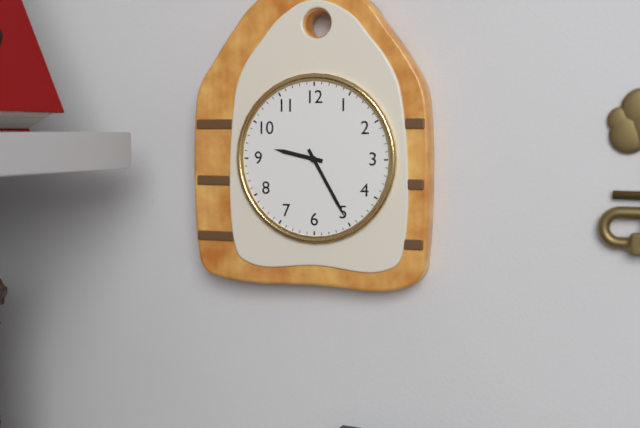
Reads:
h=9 m=25
